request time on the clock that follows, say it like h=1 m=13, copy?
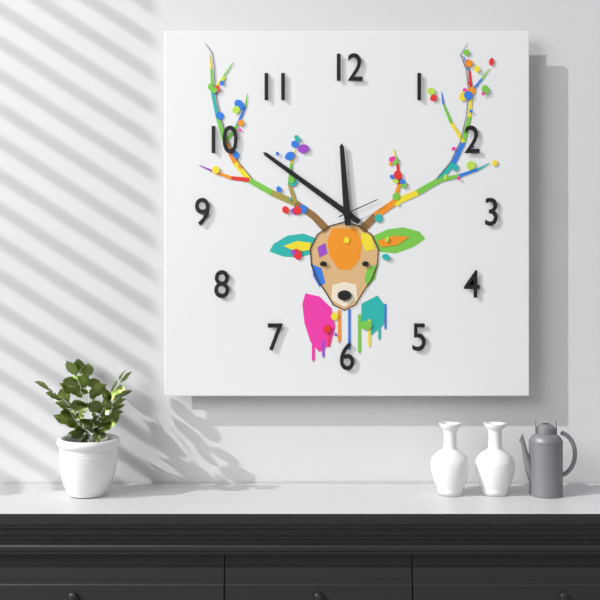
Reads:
h=11 m=51
